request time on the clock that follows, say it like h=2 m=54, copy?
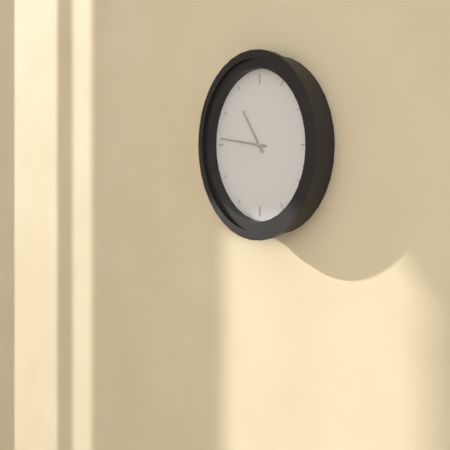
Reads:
h=10 m=46
